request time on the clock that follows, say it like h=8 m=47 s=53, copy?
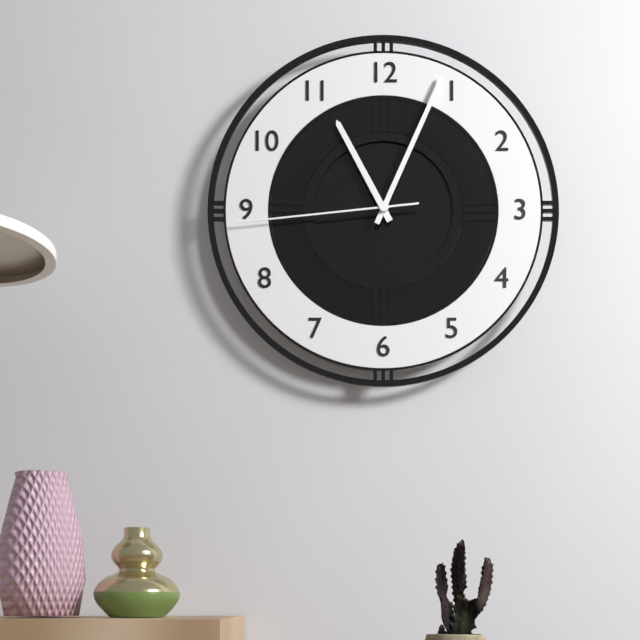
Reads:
h=11 m=4 s=44
